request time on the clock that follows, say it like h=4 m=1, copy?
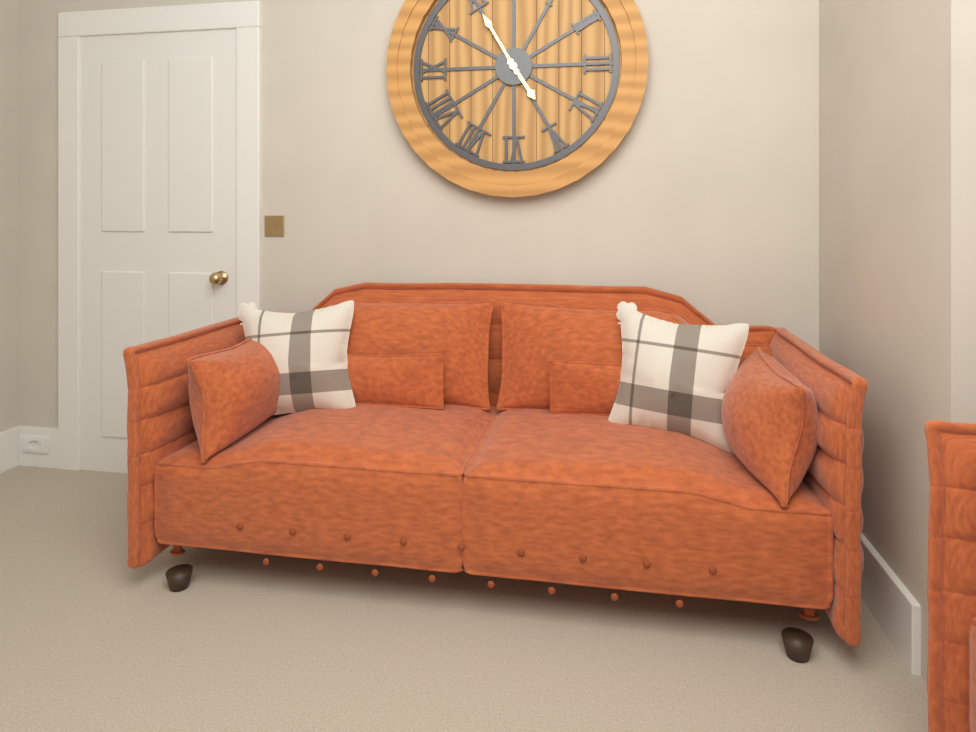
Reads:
h=4 m=55
